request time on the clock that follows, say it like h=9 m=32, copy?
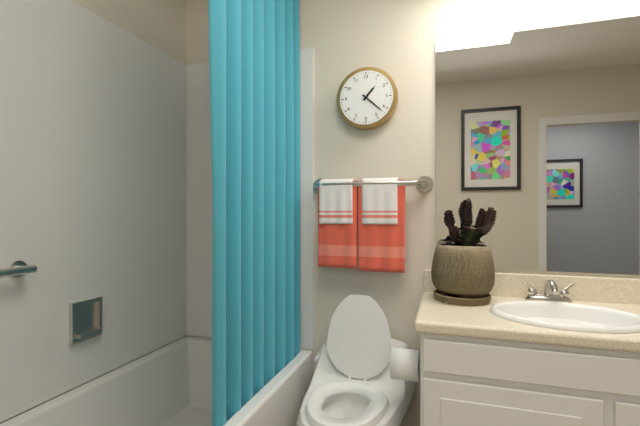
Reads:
h=1 m=22
